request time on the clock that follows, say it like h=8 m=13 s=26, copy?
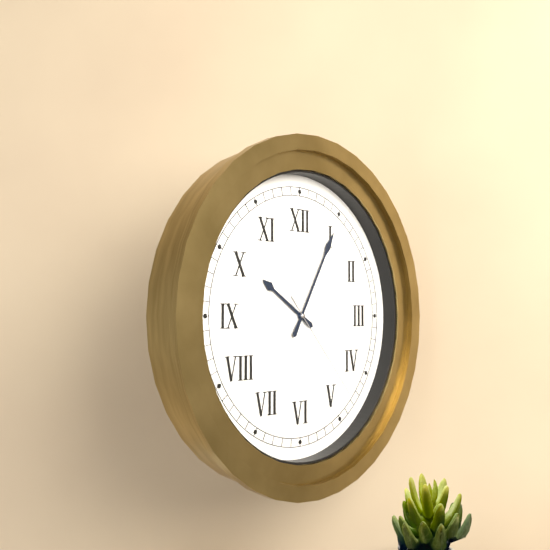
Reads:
h=10 m=5 s=23
